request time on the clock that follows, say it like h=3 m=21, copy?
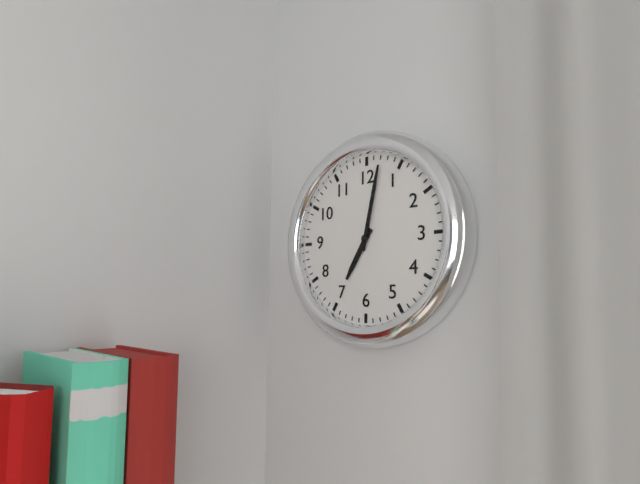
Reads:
h=7 m=2
